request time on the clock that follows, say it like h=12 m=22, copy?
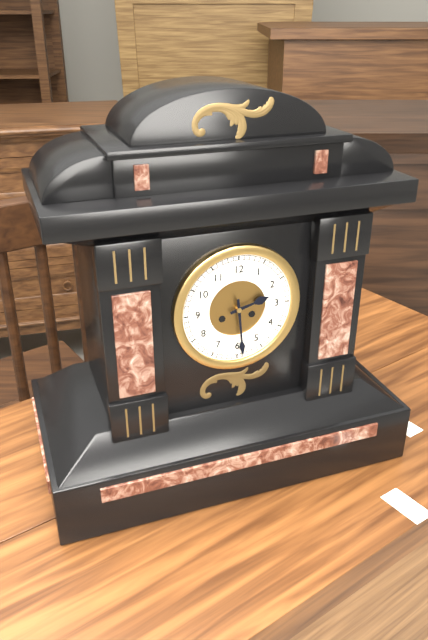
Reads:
h=2 m=29
